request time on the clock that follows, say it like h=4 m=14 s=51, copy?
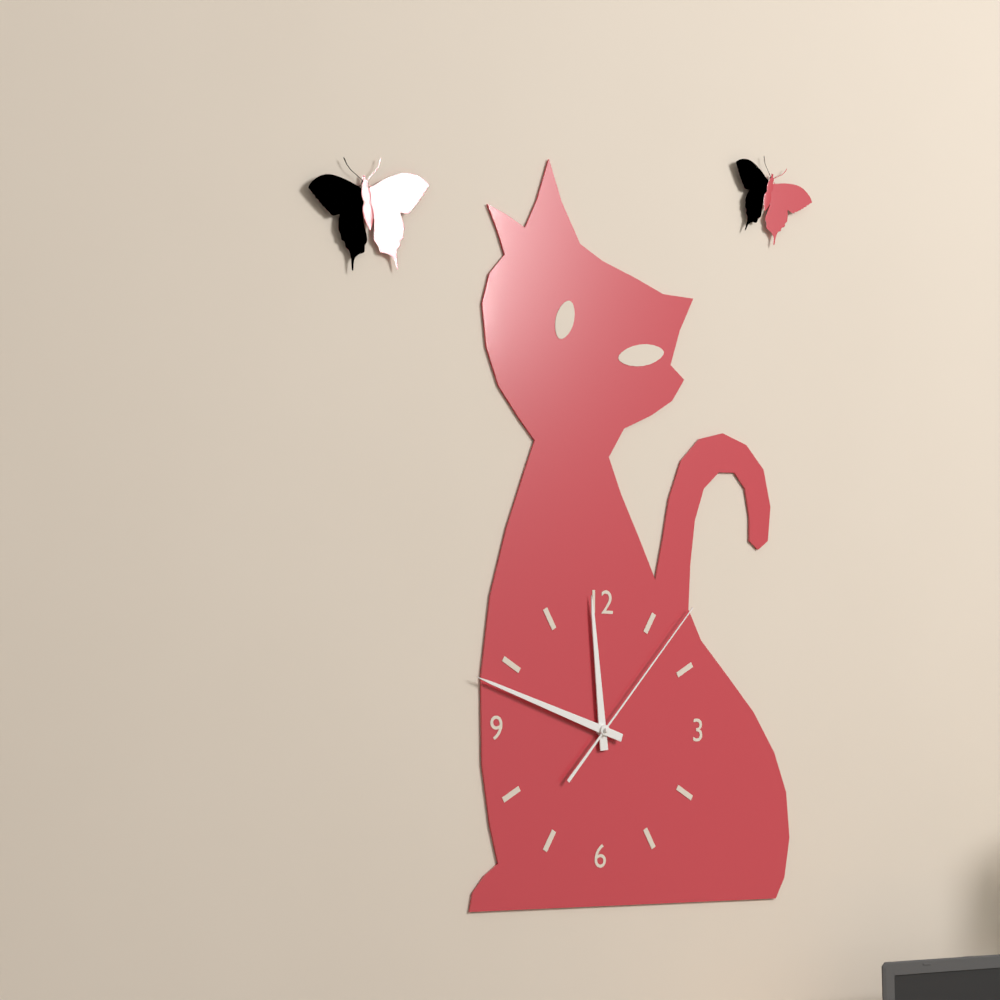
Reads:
h=11 m=48 s=7
